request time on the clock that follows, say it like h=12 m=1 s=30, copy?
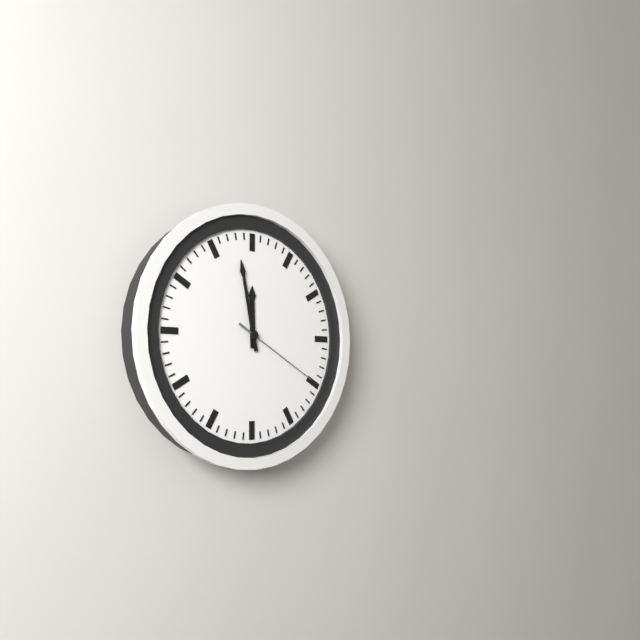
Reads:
h=11 m=58 s=20
